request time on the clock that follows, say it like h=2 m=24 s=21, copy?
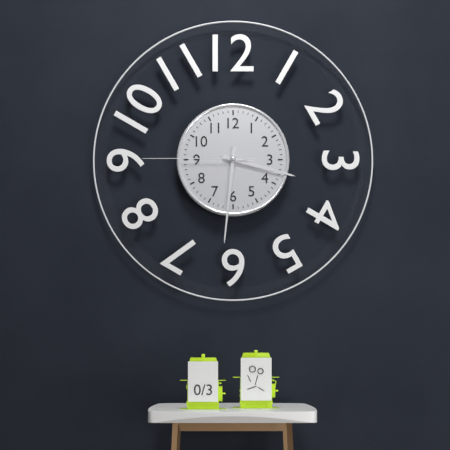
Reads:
h=3 m=31 s=45
